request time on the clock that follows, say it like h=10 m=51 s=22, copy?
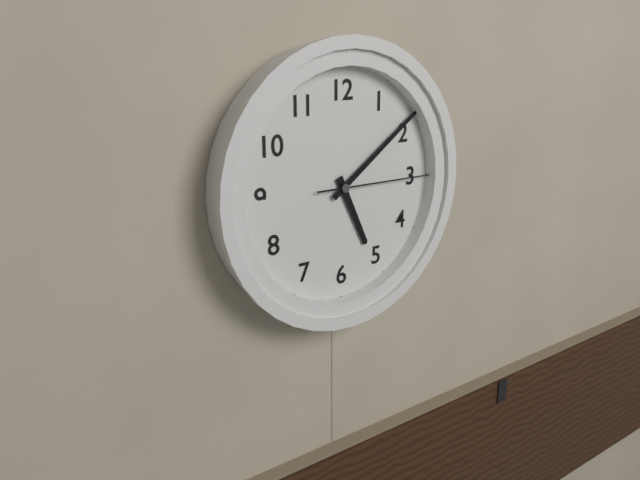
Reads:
h=5 m=9 s=15
